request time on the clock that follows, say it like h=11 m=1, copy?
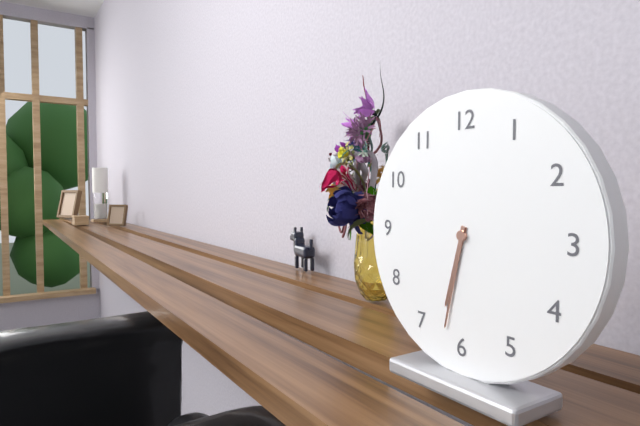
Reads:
h=6 m=32
